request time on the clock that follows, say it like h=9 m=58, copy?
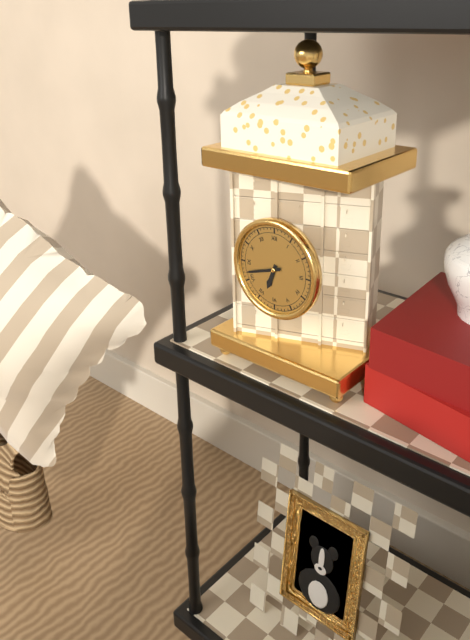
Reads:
h=6 m=42
